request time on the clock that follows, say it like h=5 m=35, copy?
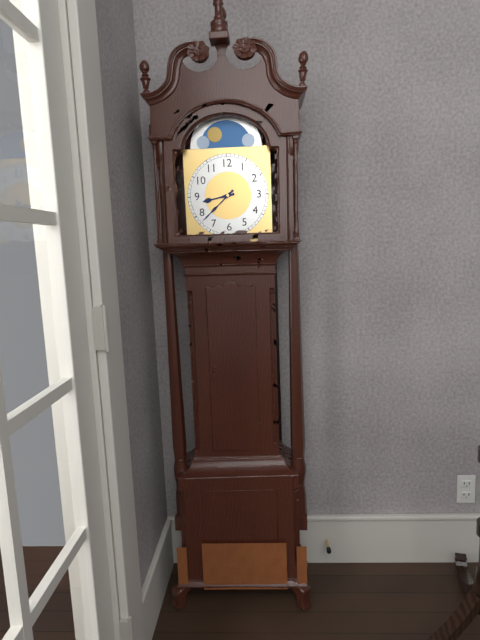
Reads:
h=8 m=38
